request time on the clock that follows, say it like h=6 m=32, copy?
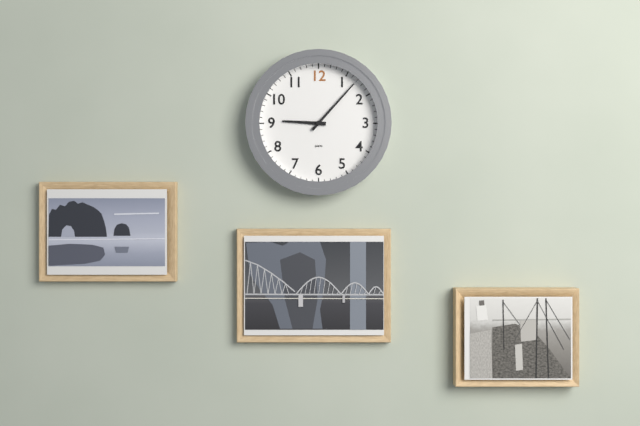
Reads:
h=9 m=7
